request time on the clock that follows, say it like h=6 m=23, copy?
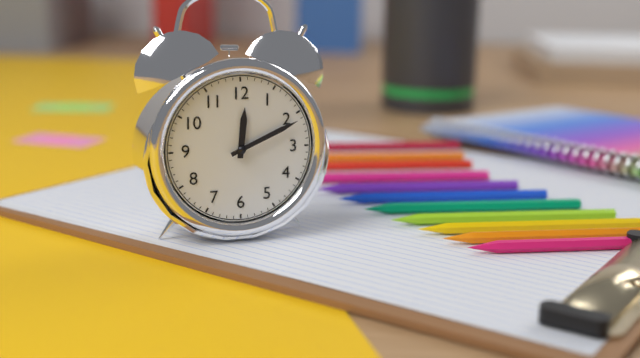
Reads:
h=12 m=11
